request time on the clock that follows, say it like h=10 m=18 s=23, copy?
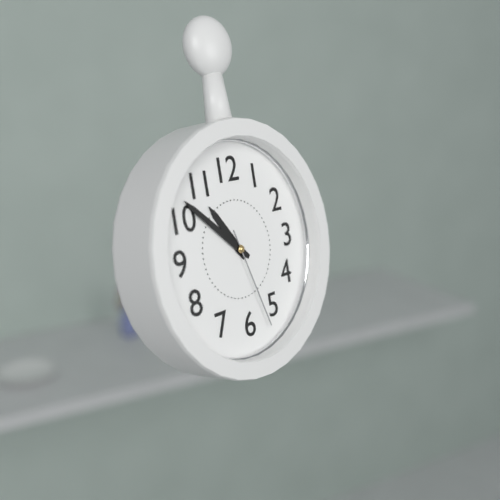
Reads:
h=10 m=52 s=27
